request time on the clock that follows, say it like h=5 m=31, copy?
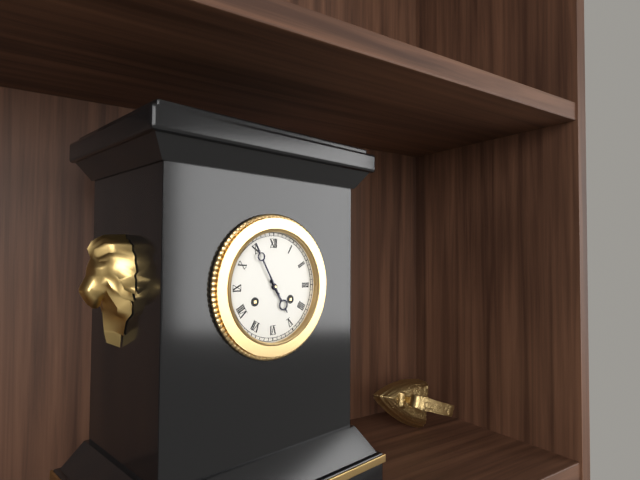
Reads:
h=4 m=55
